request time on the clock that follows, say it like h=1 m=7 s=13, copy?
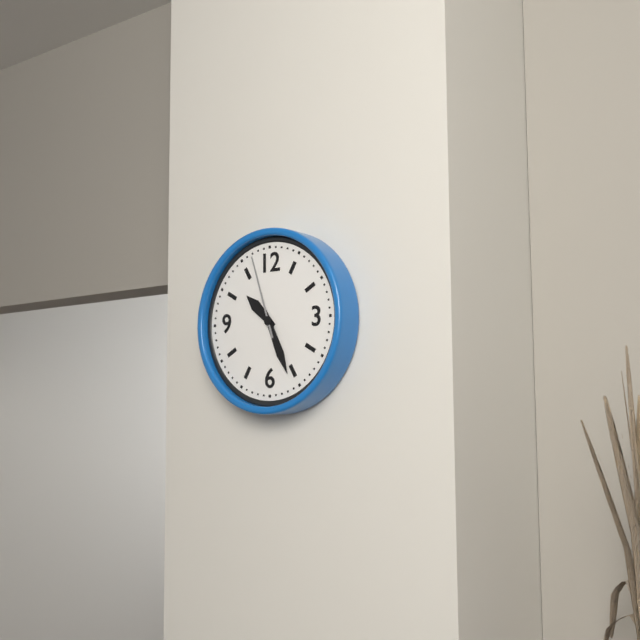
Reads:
h=10 m=26 s=57
